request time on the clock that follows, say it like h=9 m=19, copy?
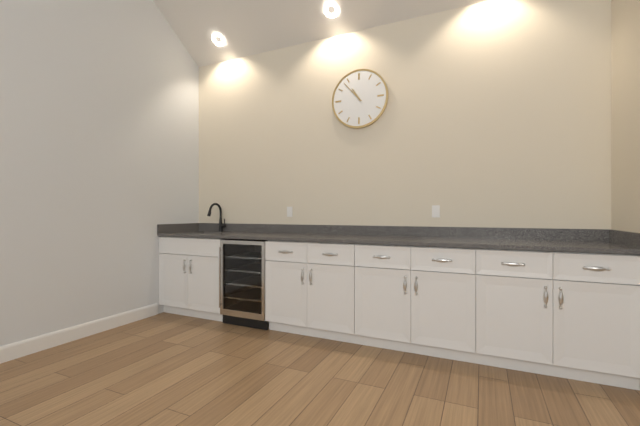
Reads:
h=10 m=53
